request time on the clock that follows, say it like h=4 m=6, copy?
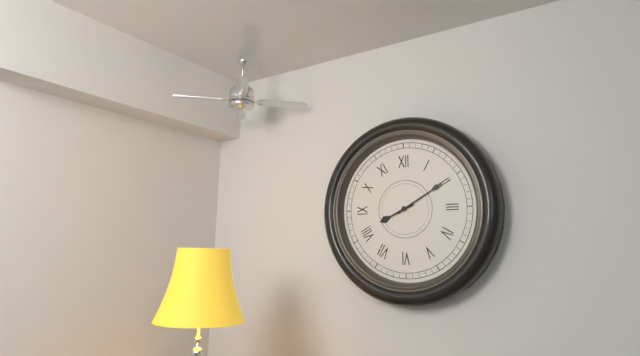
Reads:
h=8 m=10
